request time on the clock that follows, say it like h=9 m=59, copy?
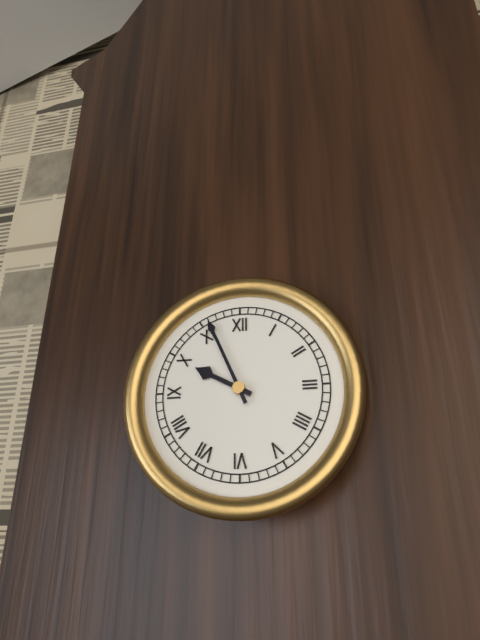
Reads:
h=9 m=56
